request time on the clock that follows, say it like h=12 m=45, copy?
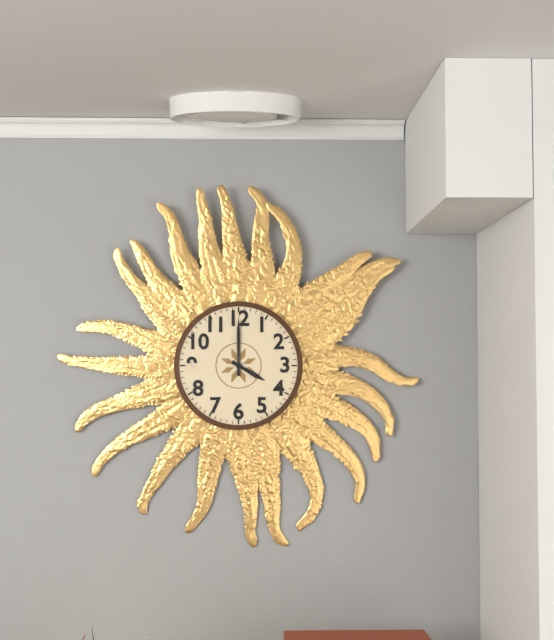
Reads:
h=4 m=0
